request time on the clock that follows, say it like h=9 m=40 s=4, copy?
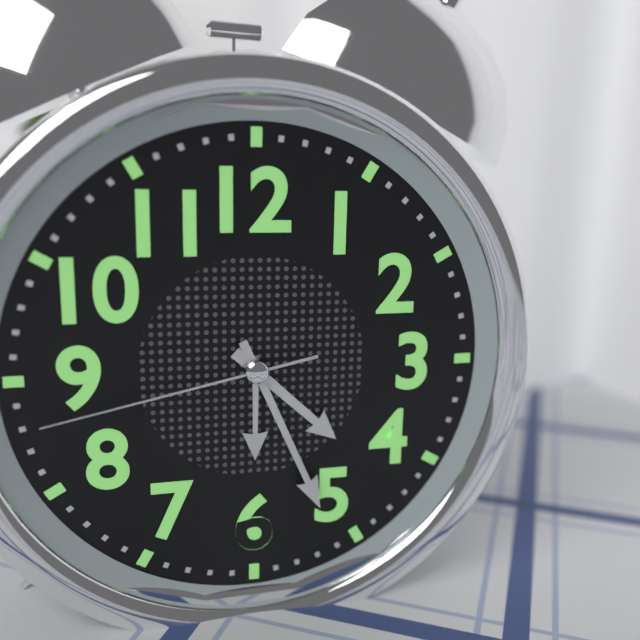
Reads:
h=4 m=26 s=43
